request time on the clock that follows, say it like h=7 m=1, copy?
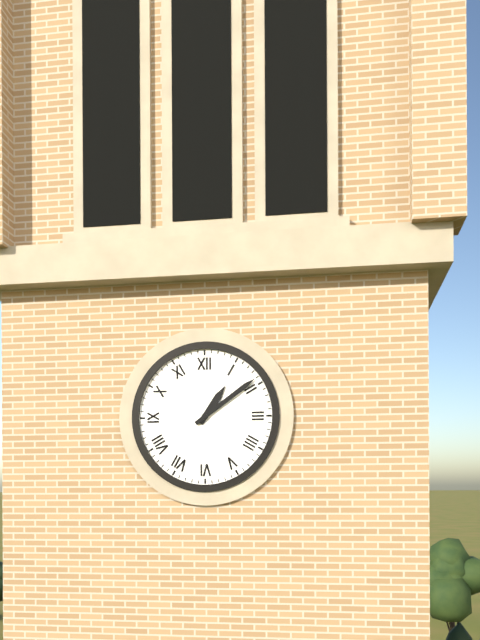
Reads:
h=1 m=9
